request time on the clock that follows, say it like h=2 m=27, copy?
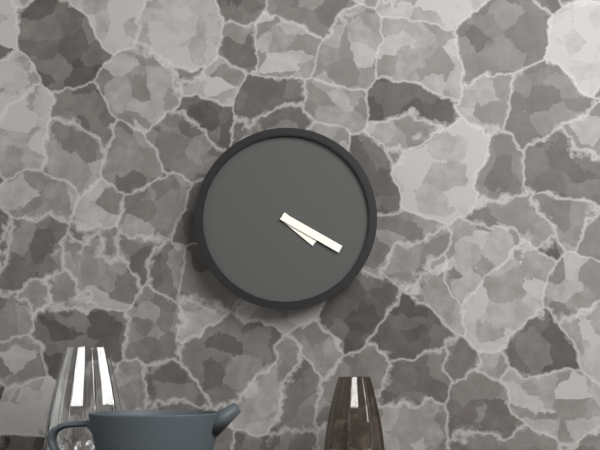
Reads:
h=4 m=20
